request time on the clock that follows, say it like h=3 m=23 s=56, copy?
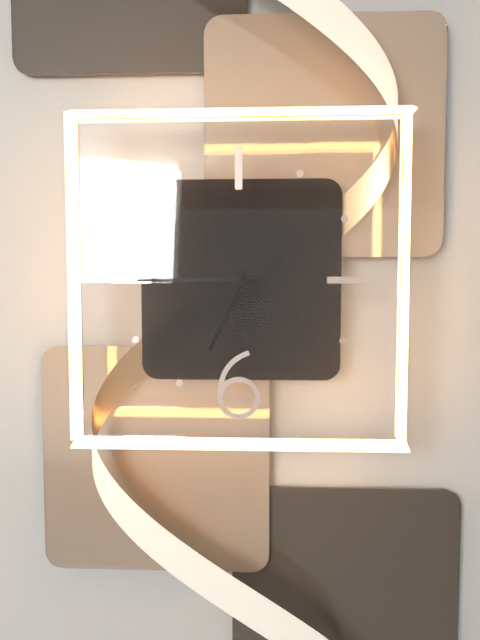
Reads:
h=6 m=45 s=45
